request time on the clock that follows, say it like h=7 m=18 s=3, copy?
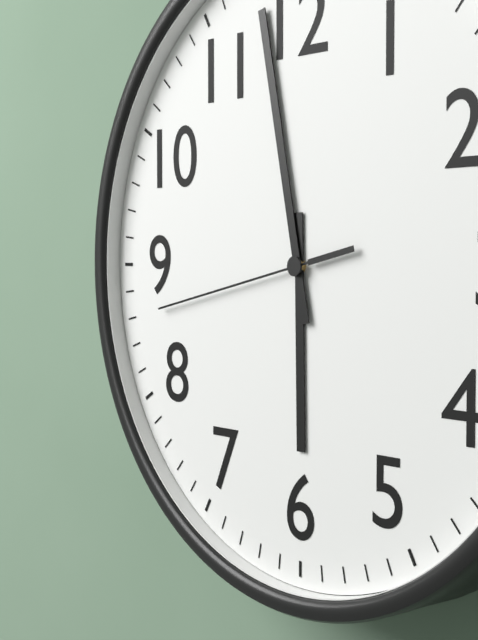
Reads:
h=5 m=58 s=43
